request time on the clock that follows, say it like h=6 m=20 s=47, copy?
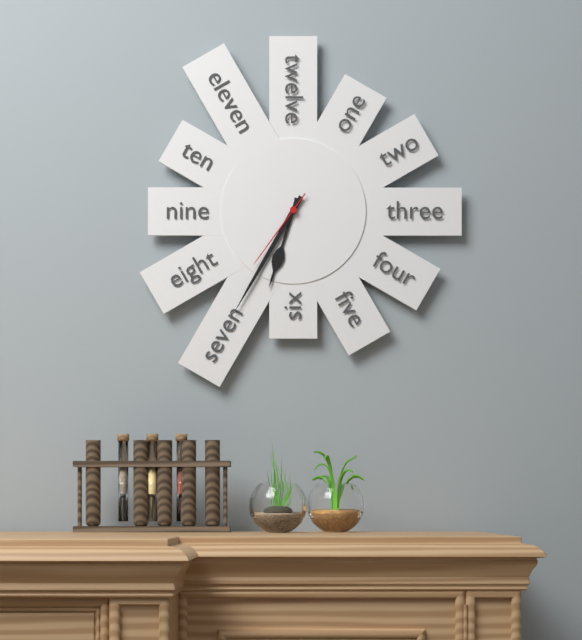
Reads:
h=6 m=35 s=36
